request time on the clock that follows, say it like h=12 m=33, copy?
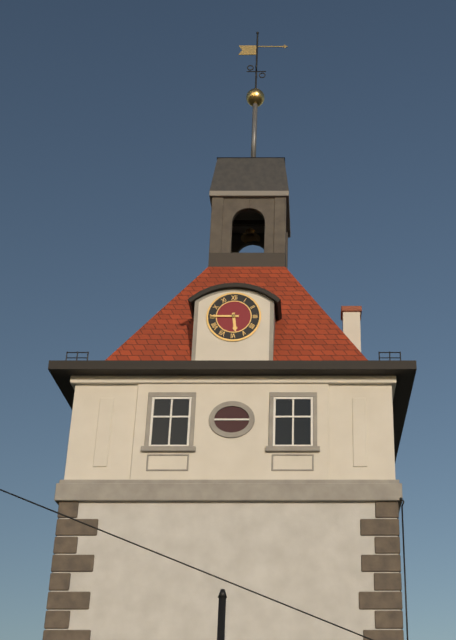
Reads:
h=5 m=45
